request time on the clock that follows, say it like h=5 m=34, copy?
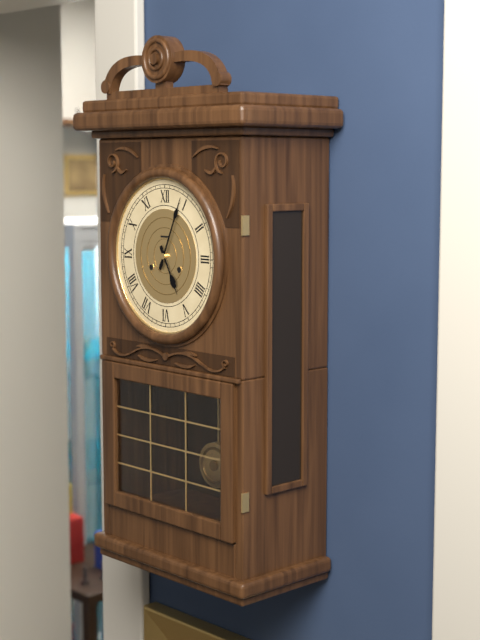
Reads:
h=5 m=4
